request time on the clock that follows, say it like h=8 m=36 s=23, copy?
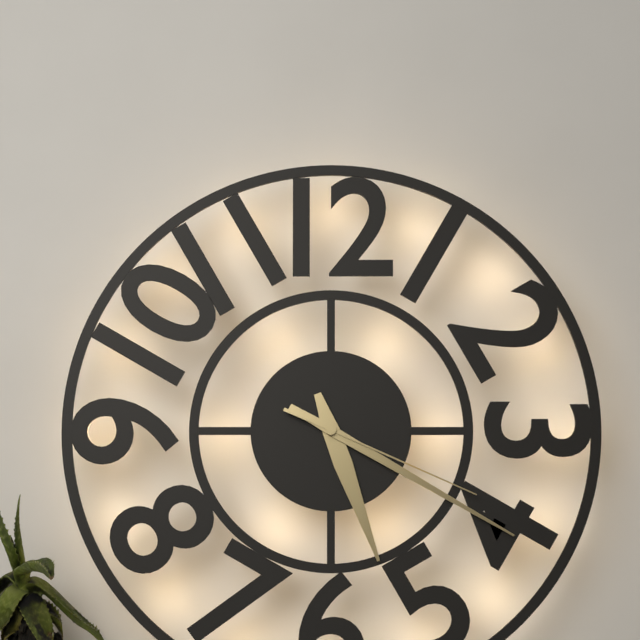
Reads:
h=5 m=20 s=19
